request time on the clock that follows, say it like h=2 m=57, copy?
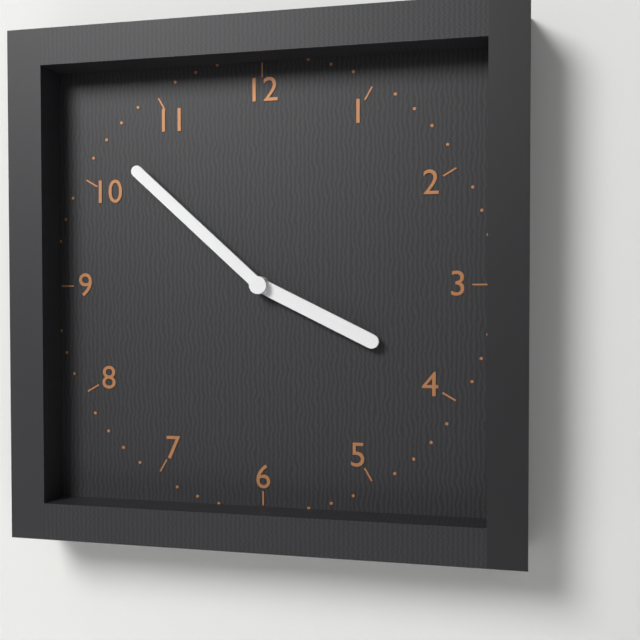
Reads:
h=3 m=52
